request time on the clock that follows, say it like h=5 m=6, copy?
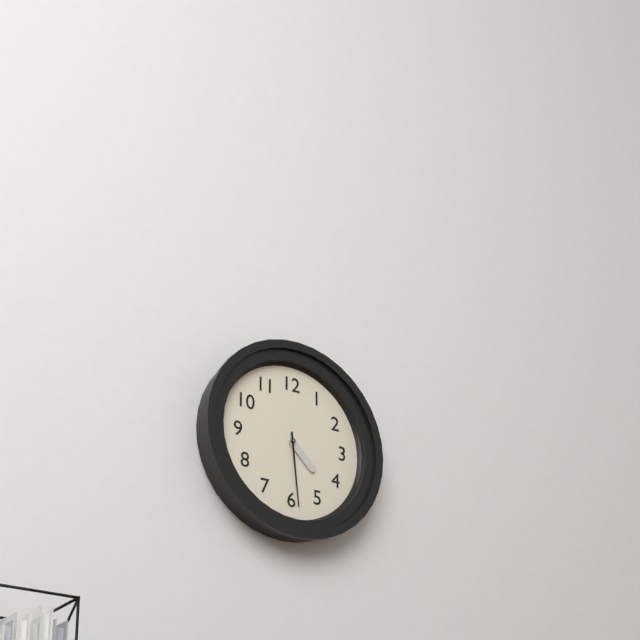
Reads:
h=4 m=29
